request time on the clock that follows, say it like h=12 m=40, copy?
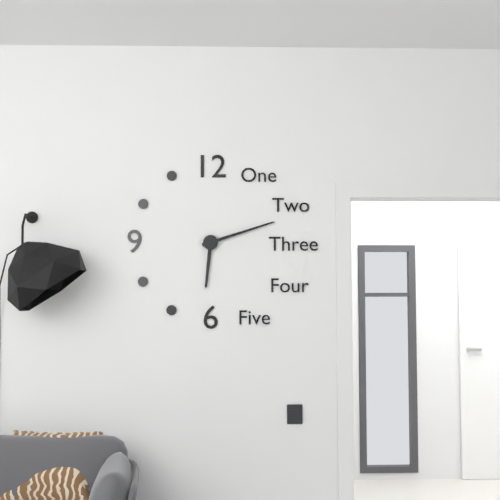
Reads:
h=6 m=12
